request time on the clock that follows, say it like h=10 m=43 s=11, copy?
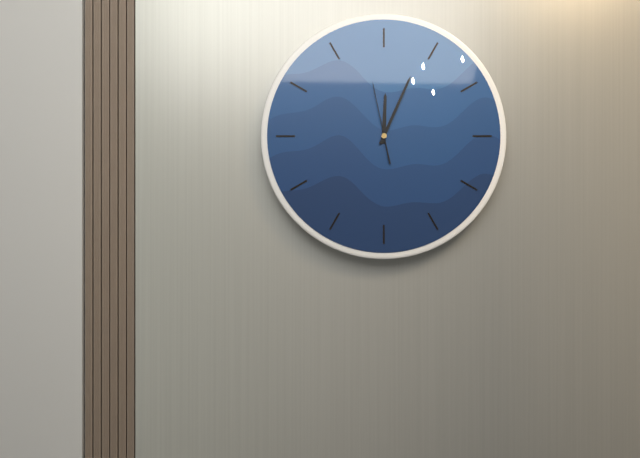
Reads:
h=12 m=4 s=58
